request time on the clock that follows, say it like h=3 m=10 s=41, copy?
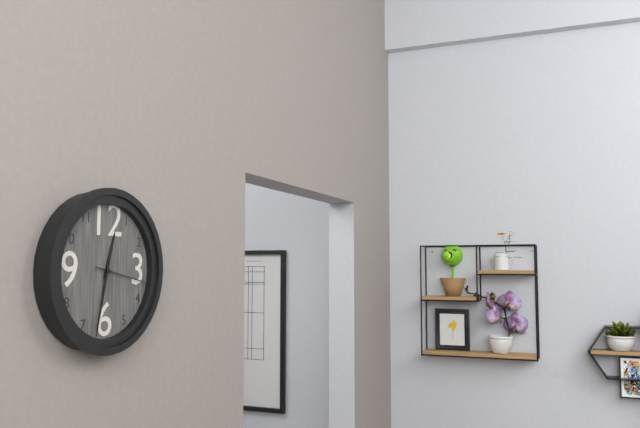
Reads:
h=12 m=32 s=17
